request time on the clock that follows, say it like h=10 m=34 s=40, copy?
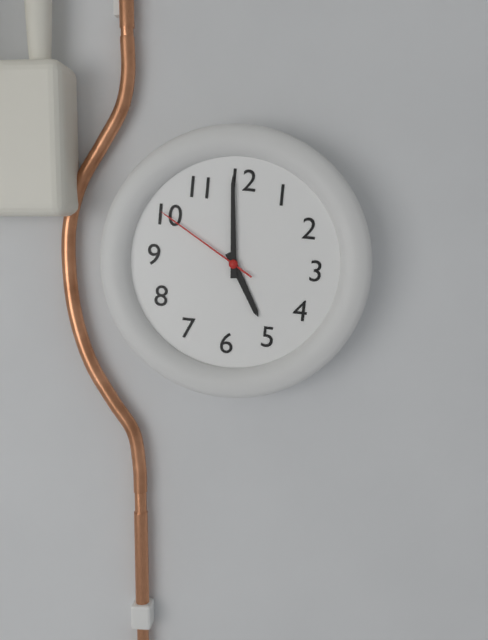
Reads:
h=4 m=59 s=50
